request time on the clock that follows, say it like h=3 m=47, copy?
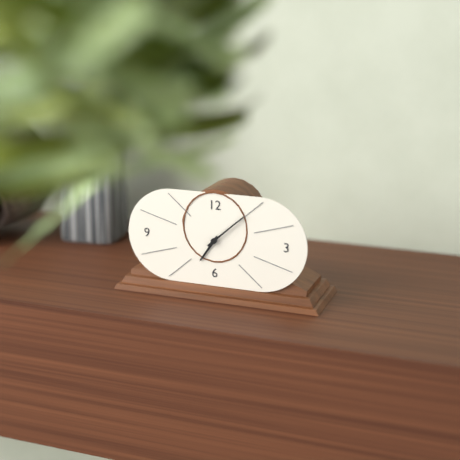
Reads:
h=7 m=8
